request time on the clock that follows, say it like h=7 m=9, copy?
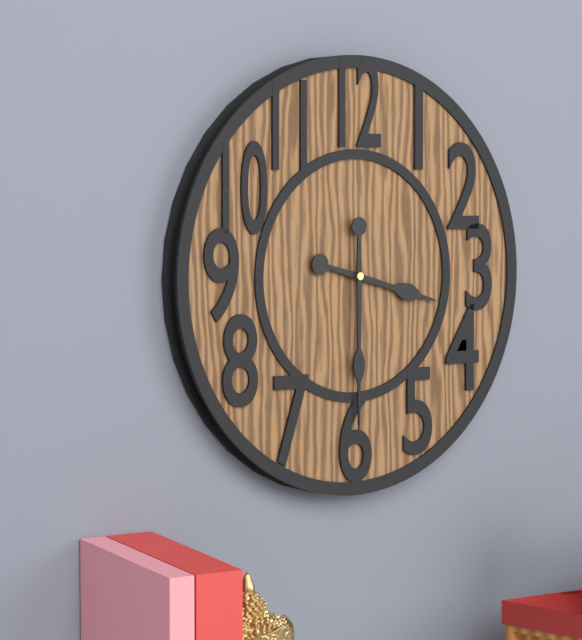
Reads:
h=3 m=30
